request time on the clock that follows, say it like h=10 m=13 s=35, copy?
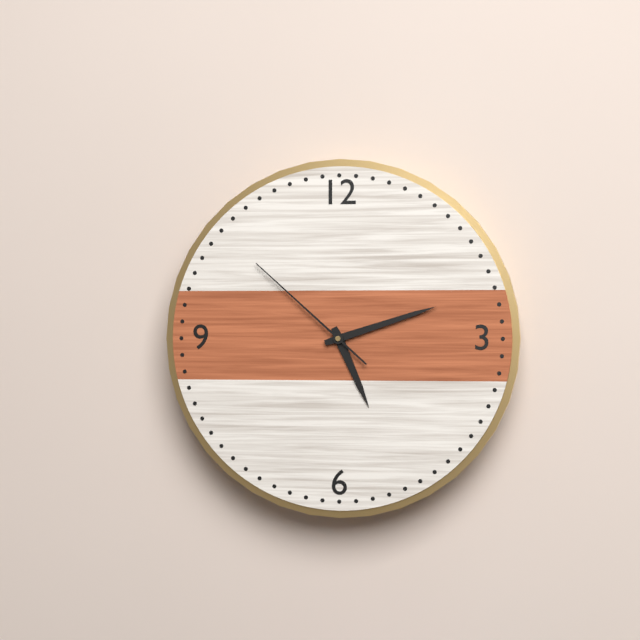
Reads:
h=5 m=12 s=52
